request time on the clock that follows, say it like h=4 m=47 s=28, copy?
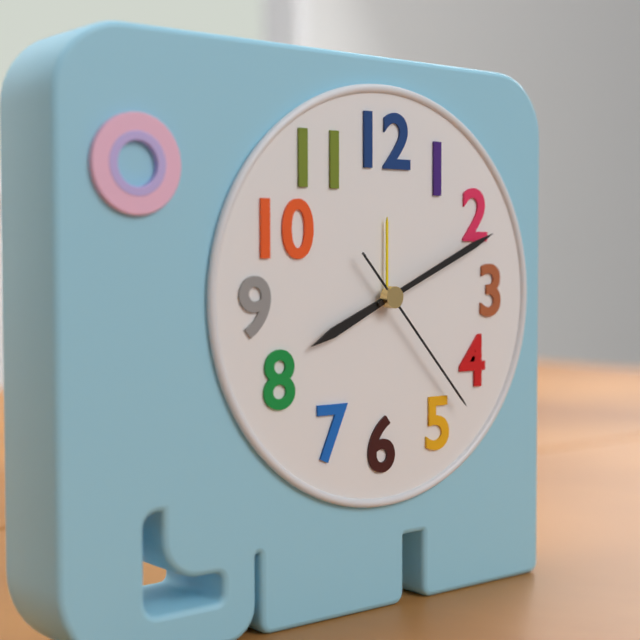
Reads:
h=8 m=11 s=23
